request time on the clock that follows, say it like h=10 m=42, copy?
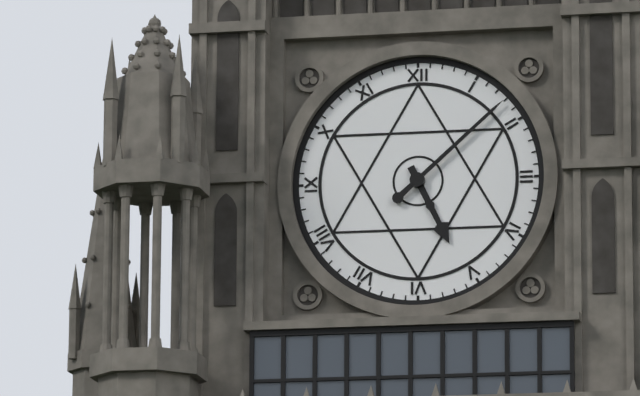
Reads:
h=5 m=8
